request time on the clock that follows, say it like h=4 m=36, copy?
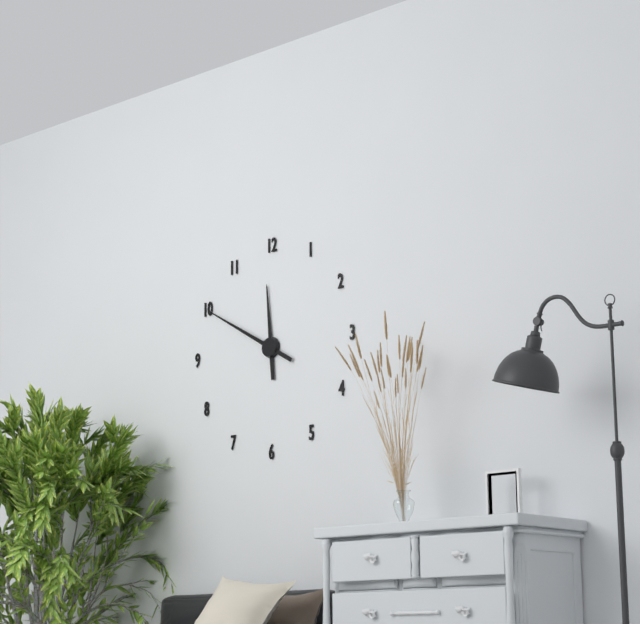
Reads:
h=11 m=50
